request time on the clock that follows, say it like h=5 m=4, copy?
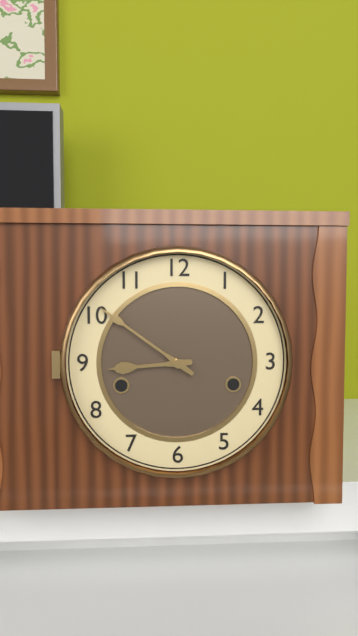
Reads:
h=8 m=51
